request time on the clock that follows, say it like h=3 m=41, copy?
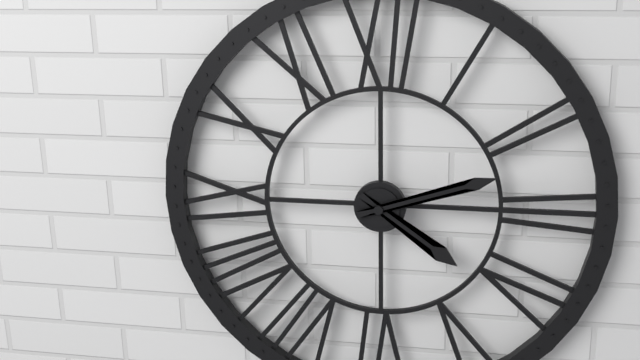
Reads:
h=4 m=12
